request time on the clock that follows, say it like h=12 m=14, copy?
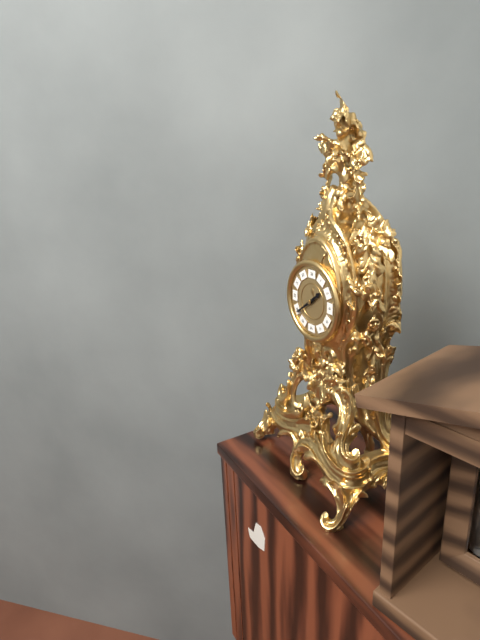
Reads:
h=1 m=39
